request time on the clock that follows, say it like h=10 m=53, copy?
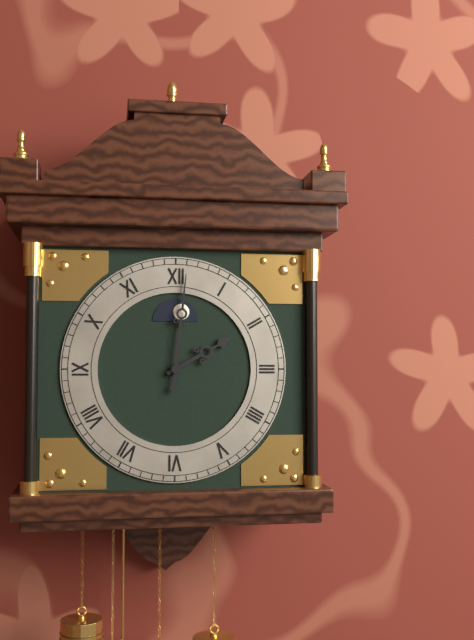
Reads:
h=2 m=1
